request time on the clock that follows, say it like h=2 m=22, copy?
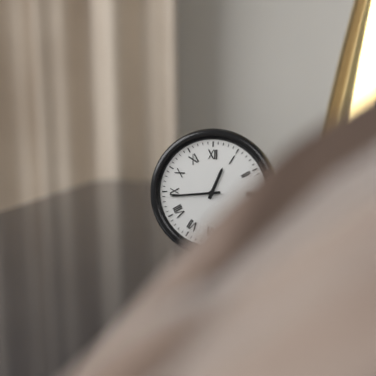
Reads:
h=12 m=44
